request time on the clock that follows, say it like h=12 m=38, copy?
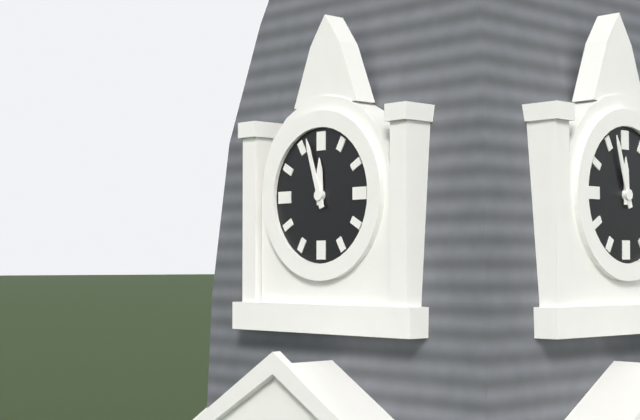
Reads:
h=11 m=57
